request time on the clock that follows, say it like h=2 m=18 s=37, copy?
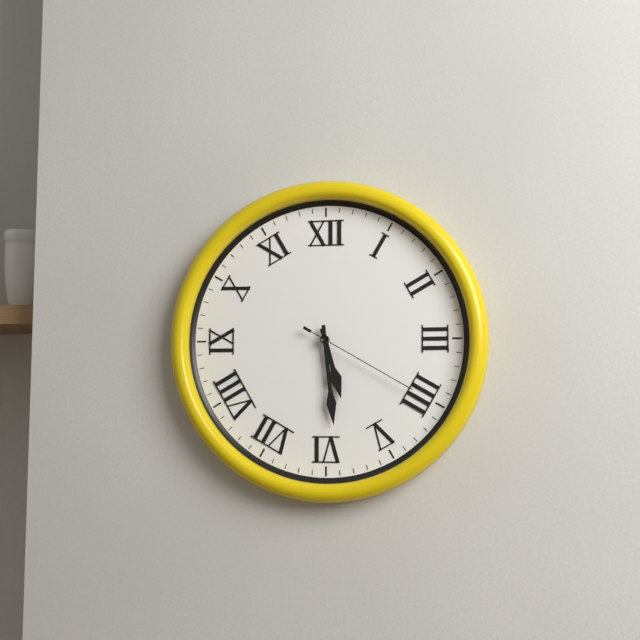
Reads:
h=5 m=29 s=20
